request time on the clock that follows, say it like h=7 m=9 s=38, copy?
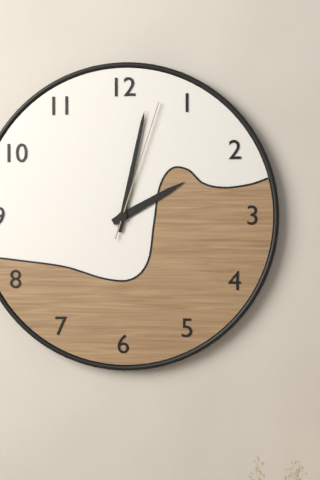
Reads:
h=2 m=2 s=3
